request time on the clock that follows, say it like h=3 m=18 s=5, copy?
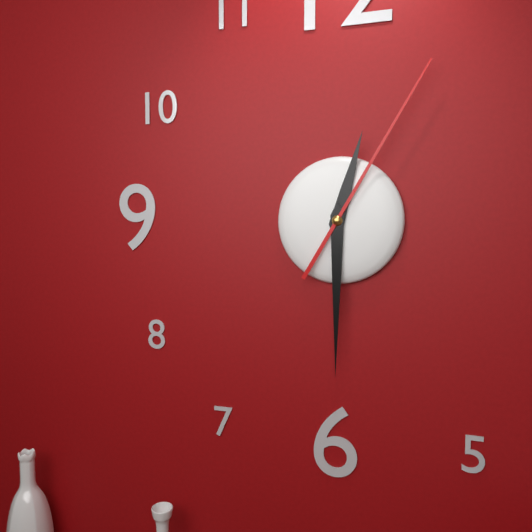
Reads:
h=12 m=30 s=5
